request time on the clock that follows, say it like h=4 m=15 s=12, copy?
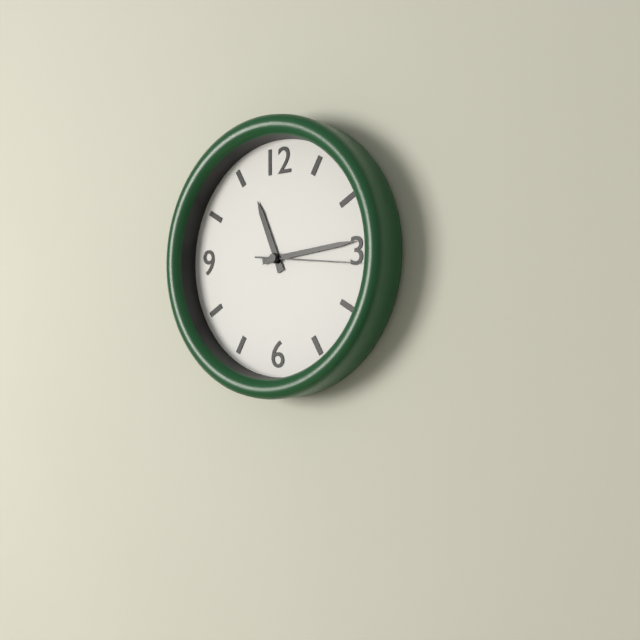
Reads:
h=11 m=14 s=16
